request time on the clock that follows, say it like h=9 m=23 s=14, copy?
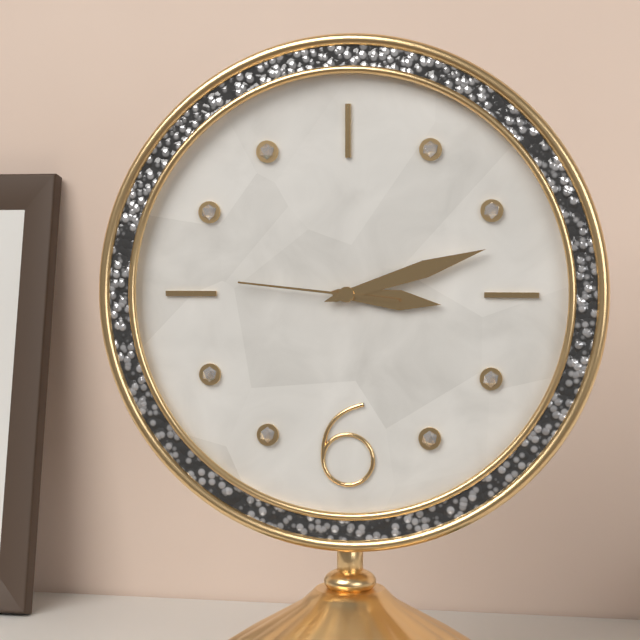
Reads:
h=3 m=12 s=46
